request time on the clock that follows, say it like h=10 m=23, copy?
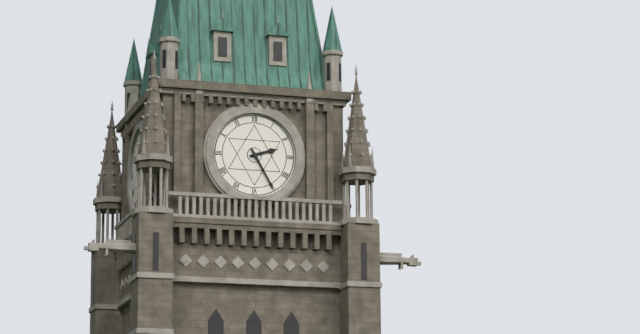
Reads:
h=2 m=25
